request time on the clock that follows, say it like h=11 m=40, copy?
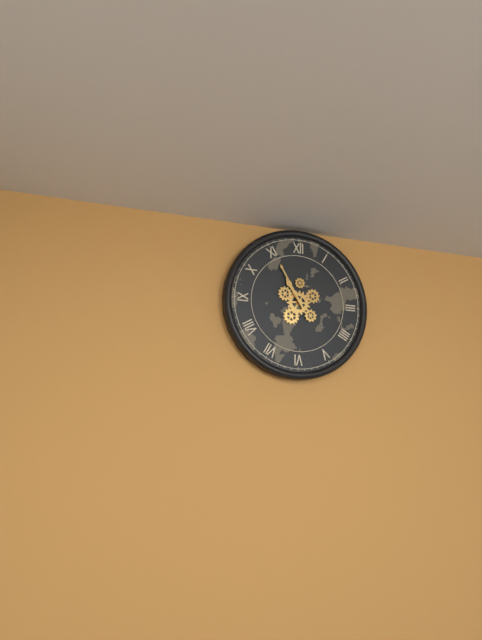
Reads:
h=10 m=55
